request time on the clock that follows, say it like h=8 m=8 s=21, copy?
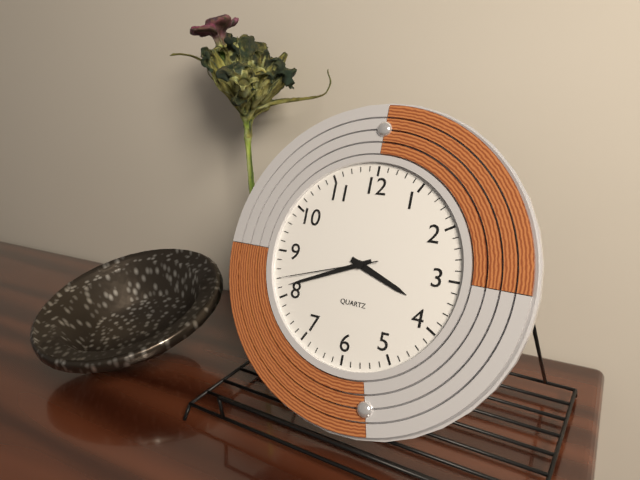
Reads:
h=3 m=41 s=42
